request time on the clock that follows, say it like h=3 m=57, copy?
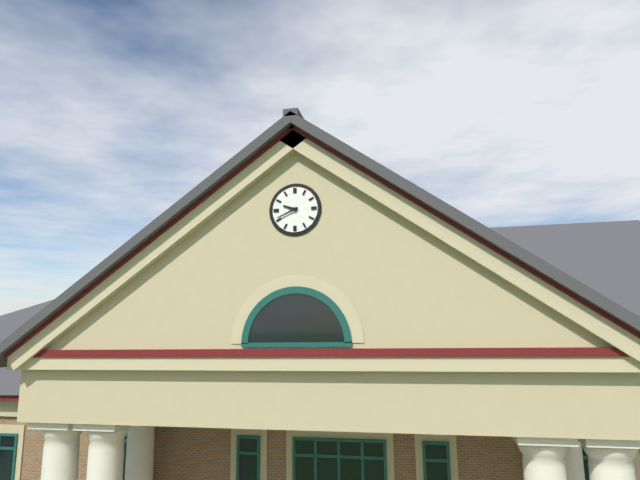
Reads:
h=9 m=41
